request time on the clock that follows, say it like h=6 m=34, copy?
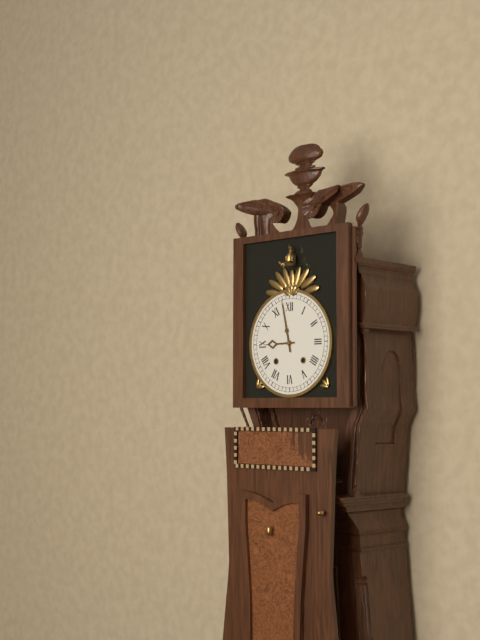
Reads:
h=8 m=58
